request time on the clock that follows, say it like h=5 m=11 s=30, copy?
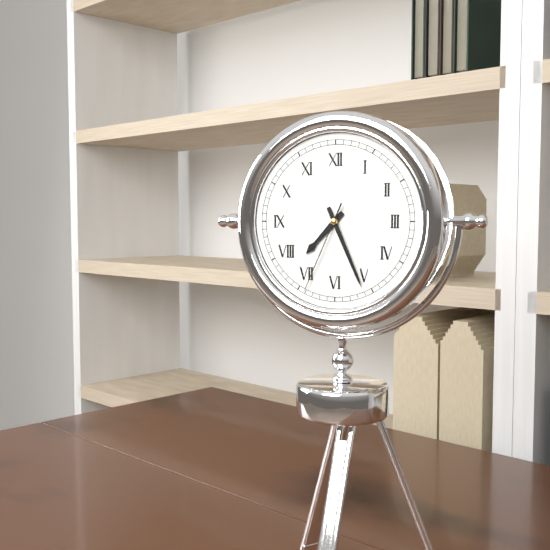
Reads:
h=7 m=26 s=34
